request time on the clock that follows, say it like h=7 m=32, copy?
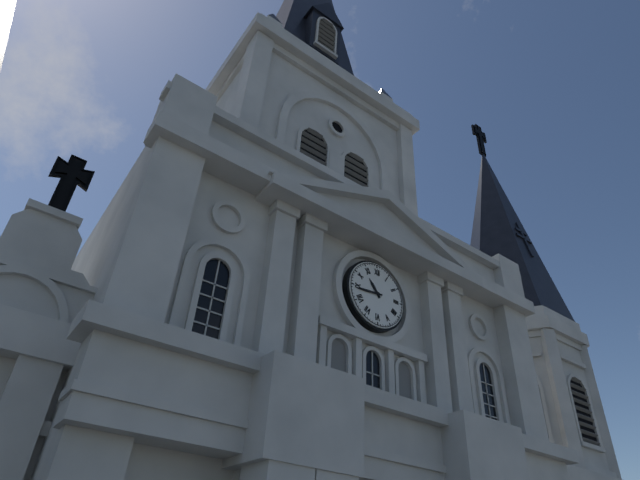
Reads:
h=10 m=44
